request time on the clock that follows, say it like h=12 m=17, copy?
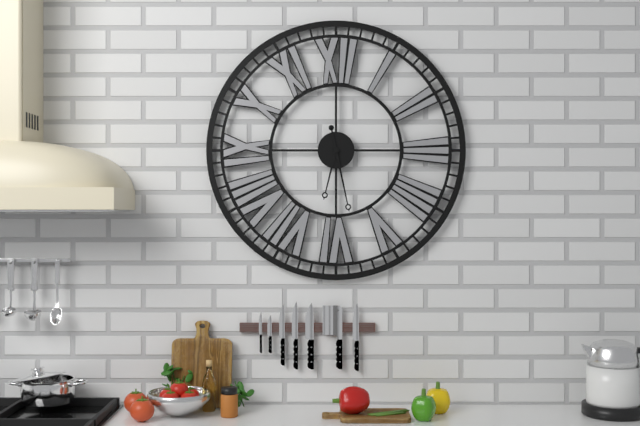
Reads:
h=6 m=28
